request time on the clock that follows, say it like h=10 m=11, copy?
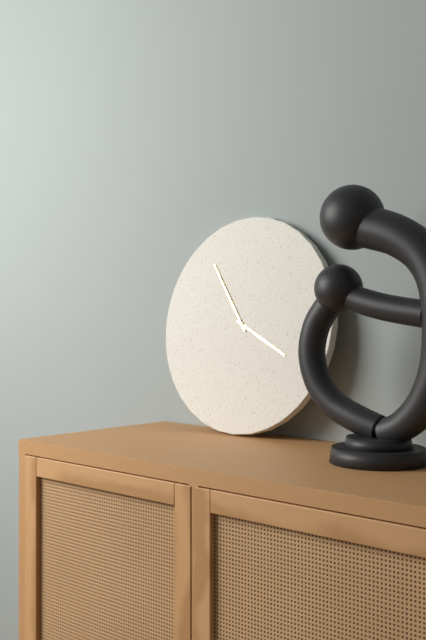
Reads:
h=3 m=54
